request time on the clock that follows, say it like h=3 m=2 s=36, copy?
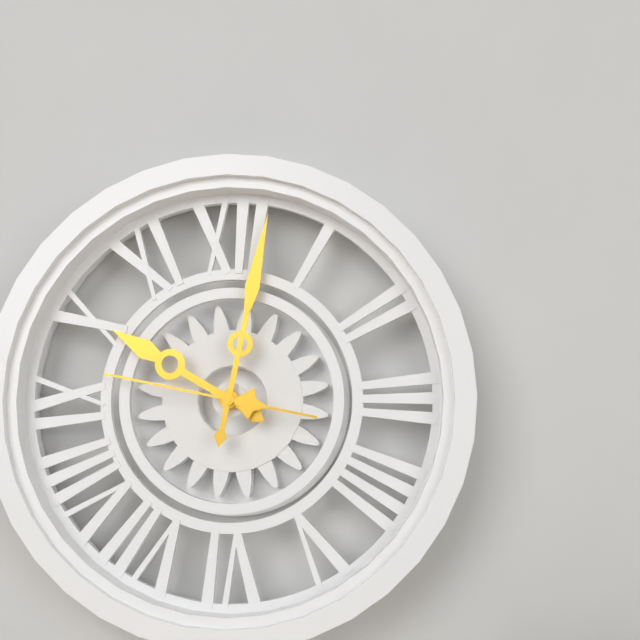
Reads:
h=10 m=2 s=47
